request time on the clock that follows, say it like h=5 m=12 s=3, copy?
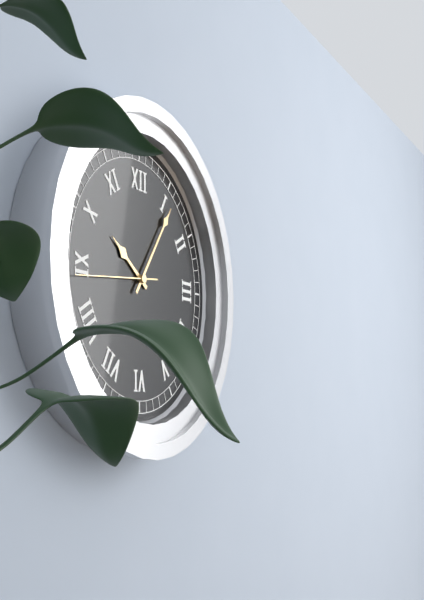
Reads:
h=10 m=6 s=44
